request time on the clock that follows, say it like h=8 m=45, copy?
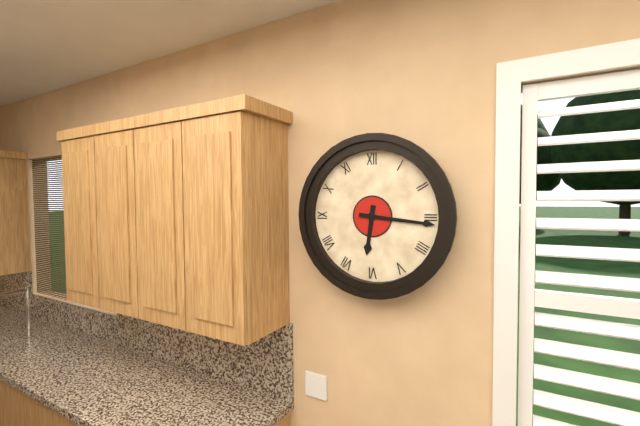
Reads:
h=6 m=16
